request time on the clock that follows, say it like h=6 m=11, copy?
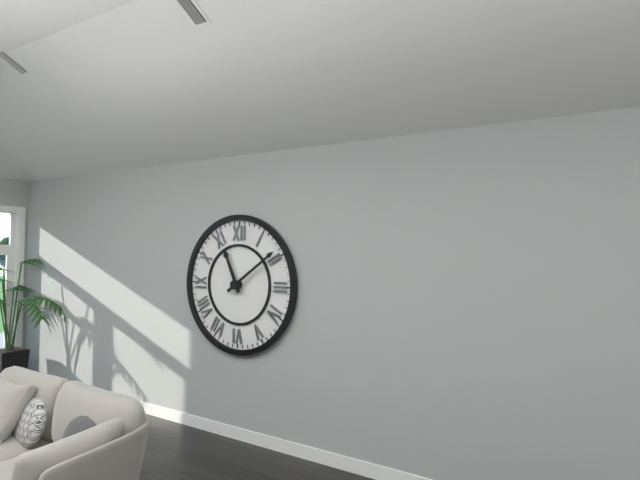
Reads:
h=11 m=9
